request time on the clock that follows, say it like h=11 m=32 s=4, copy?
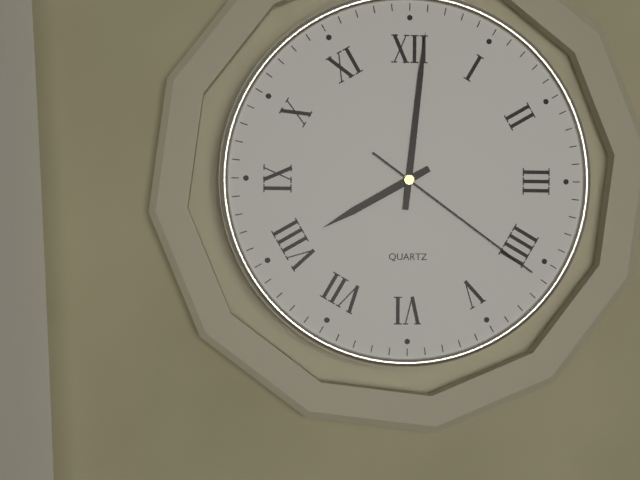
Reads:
h=8 m=1 s=21
